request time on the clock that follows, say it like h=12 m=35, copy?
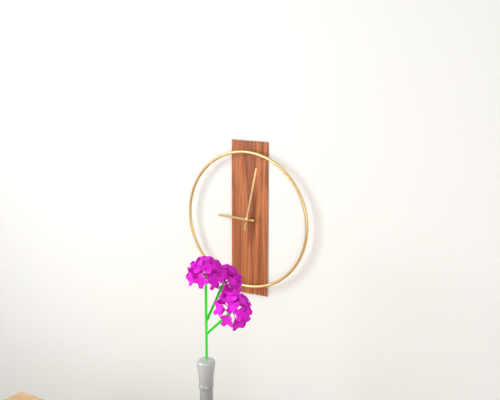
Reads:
h=9 m=2
